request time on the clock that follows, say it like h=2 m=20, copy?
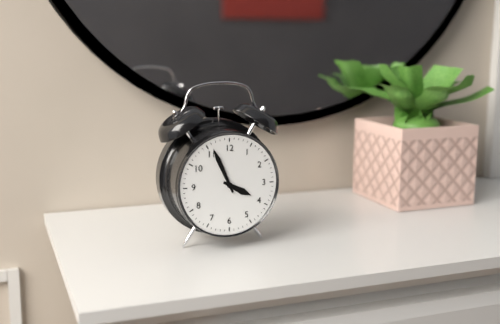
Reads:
h=3 m=56
